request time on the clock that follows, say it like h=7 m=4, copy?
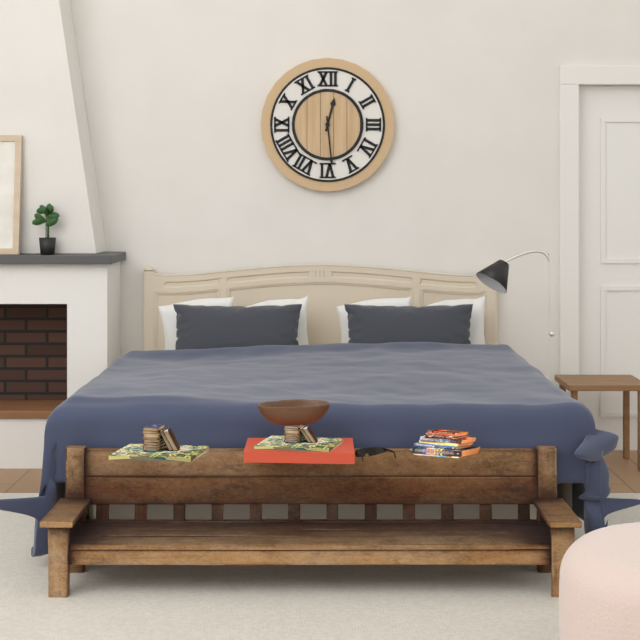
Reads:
h=12 m=29
